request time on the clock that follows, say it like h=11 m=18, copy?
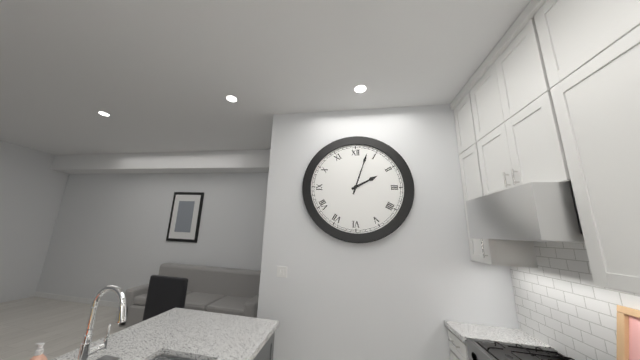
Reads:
h=2 m=3
